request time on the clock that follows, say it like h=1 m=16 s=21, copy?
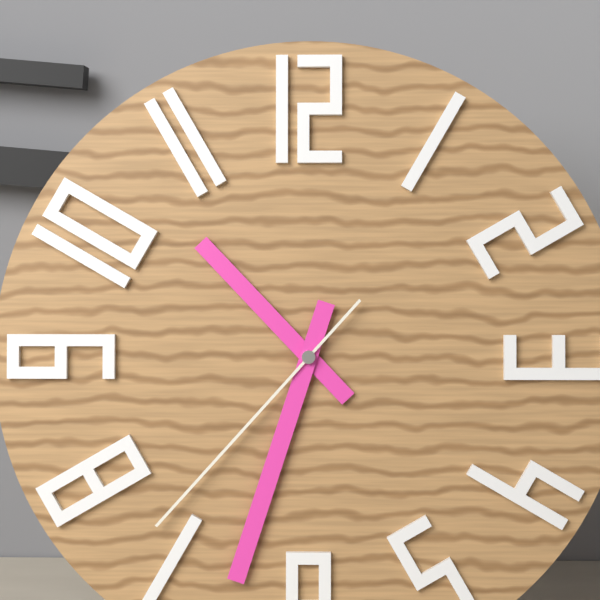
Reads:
h=10 m=33 s=37
